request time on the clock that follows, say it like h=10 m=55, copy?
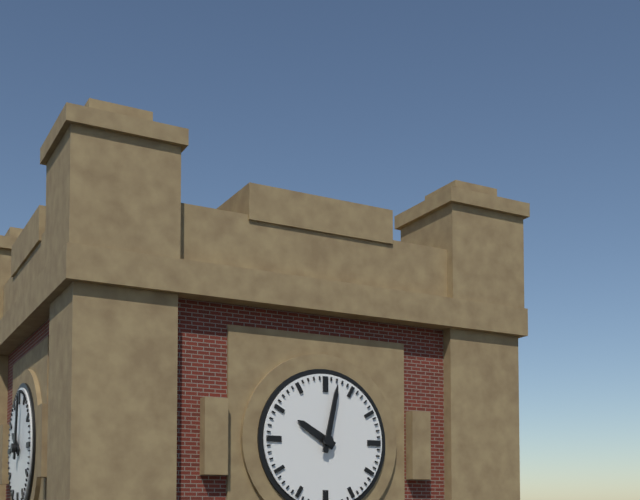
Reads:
h=10 m=2
